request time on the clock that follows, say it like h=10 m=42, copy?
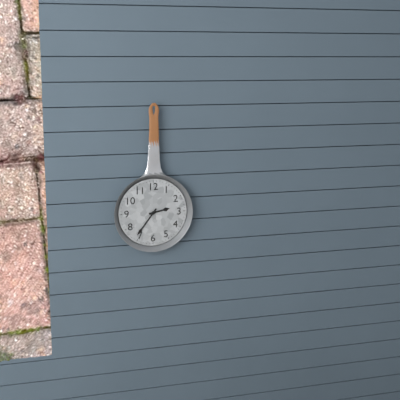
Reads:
h=2 m=36
